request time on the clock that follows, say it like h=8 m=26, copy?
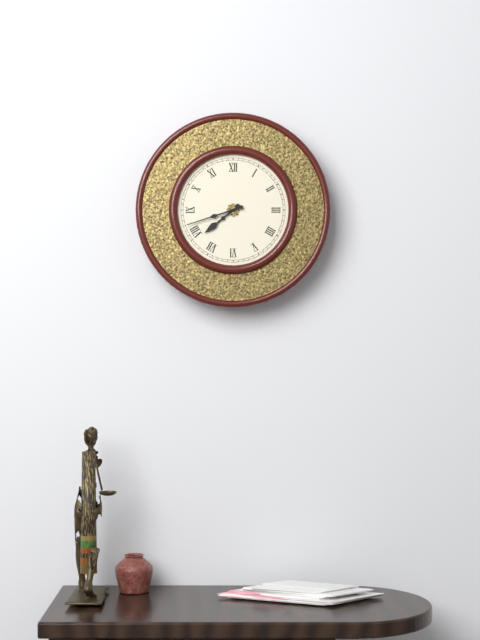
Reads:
h=7 m=42
